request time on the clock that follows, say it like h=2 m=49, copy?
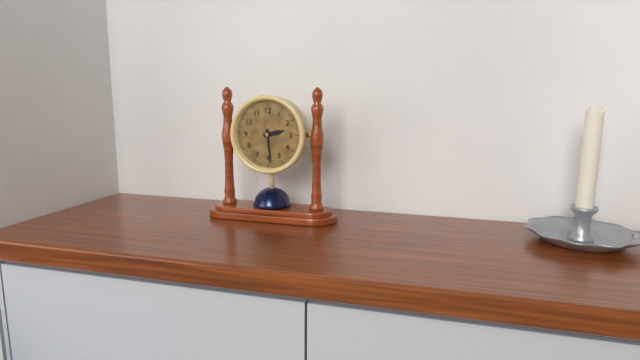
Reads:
h=2 m=29
